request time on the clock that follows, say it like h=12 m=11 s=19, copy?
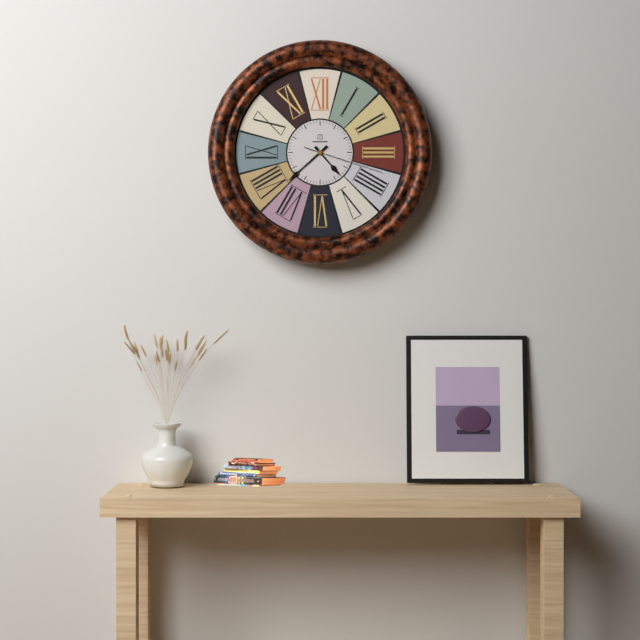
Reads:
h=4 m=38 s=18
